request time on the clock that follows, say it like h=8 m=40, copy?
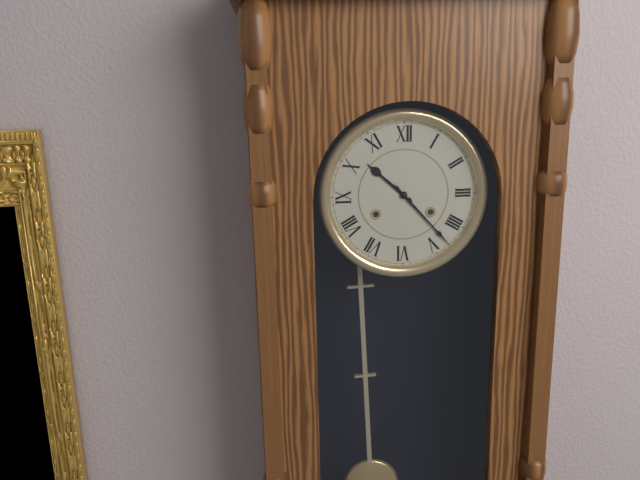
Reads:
h=10 m=23
